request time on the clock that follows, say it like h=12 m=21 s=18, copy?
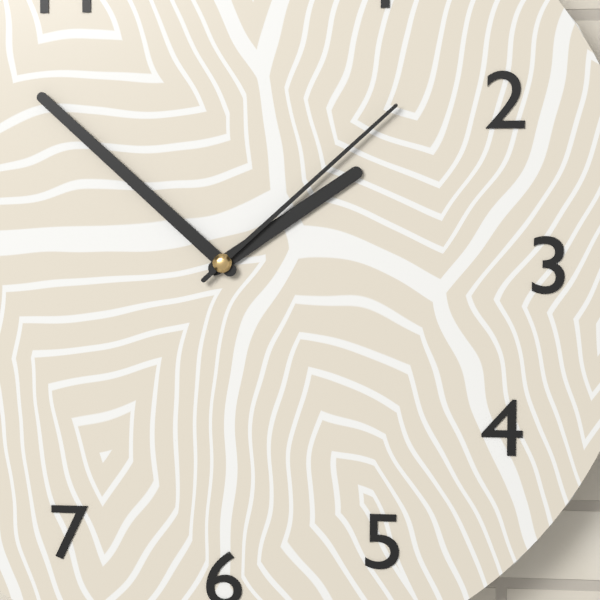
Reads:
h=1 m=52 s=8
